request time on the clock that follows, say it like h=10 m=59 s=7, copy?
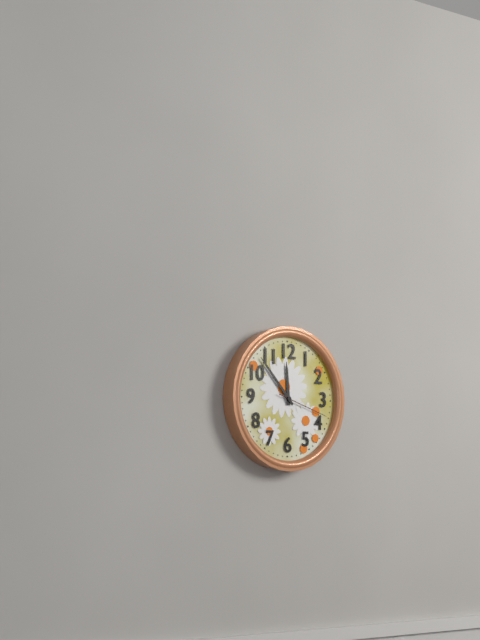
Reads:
h=11 m=53 s=18
